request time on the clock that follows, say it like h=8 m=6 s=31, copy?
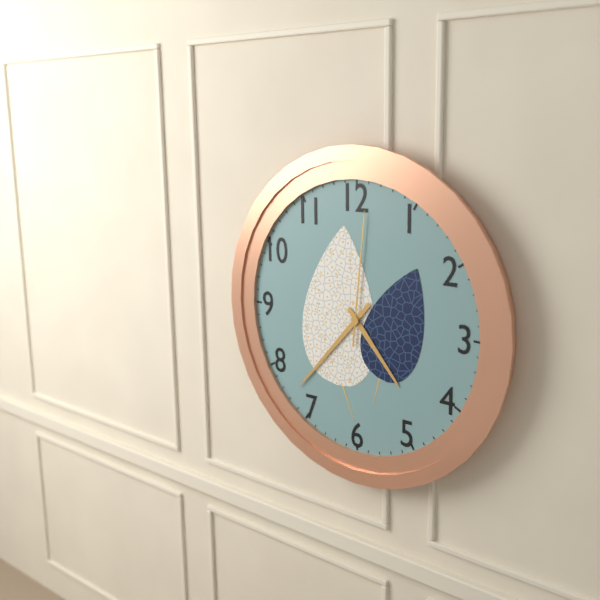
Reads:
h=4 m=37 s=1
